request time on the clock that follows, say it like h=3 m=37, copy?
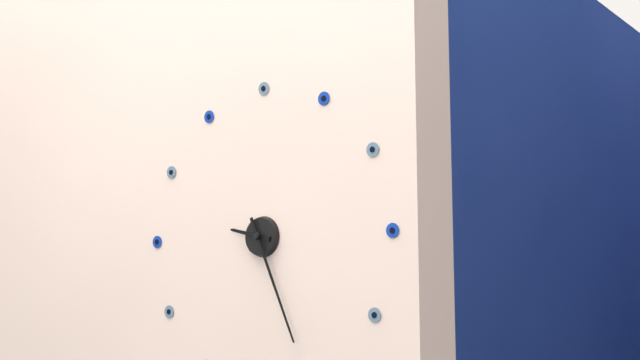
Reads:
h=9 m=26
